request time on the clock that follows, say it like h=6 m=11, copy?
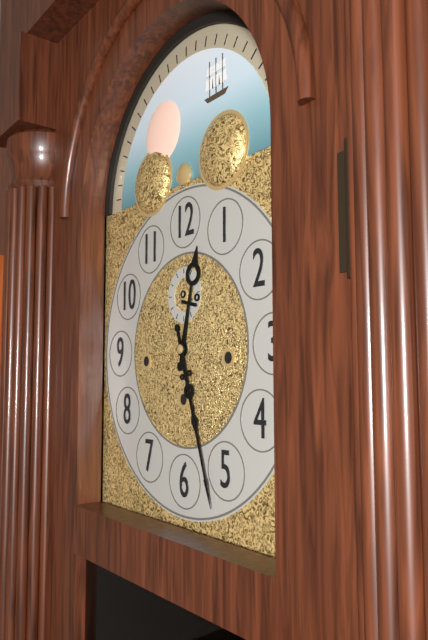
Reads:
h=12 m=27
